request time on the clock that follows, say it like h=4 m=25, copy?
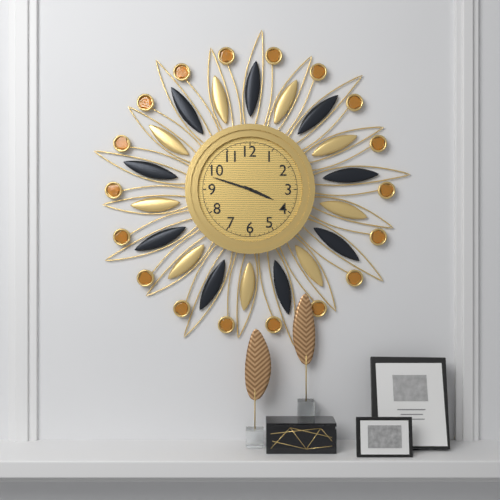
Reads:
h=3 m=48
